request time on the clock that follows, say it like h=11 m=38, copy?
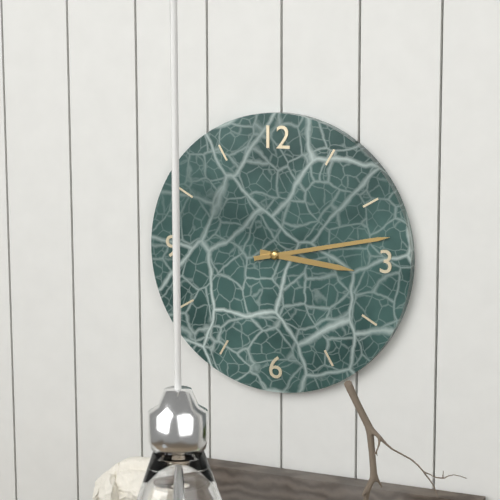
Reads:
h=3 m=13
